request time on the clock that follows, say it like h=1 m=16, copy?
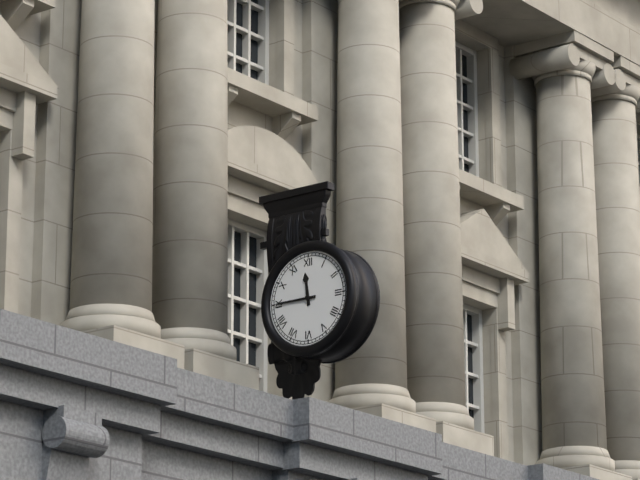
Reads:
h=11 m=45
